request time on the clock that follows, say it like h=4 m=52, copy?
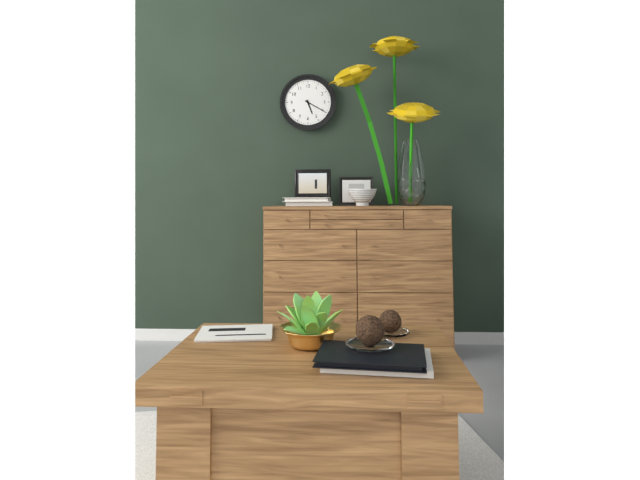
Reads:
h=5 m=20
